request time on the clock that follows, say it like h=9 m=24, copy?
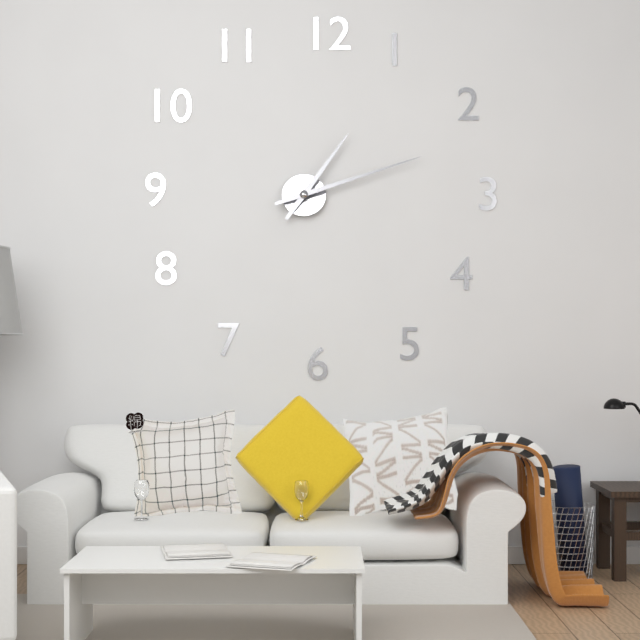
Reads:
h=1 m=12
